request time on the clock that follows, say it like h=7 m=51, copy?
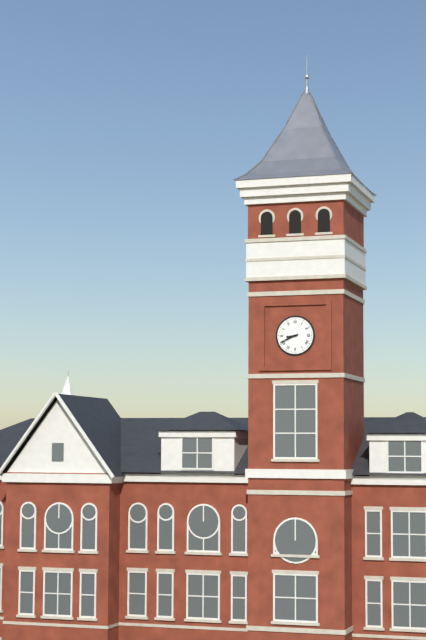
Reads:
h=8 m=41
